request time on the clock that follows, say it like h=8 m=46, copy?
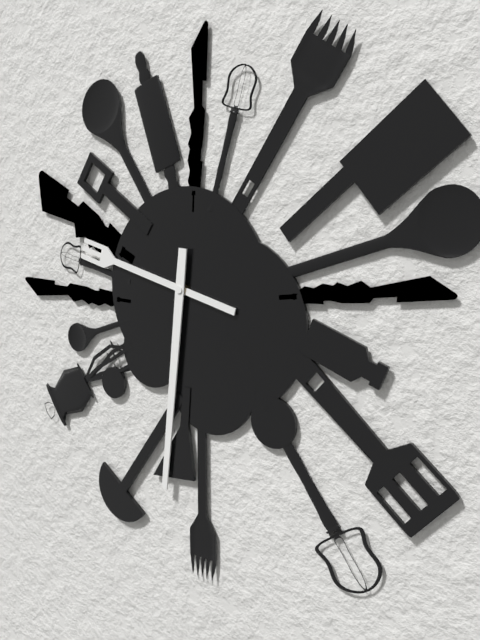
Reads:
h=9 m=31
